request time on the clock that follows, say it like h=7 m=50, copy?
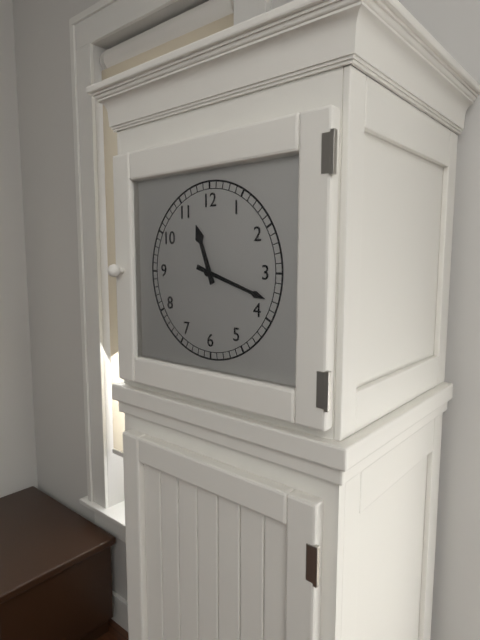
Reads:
h=11 m=18
